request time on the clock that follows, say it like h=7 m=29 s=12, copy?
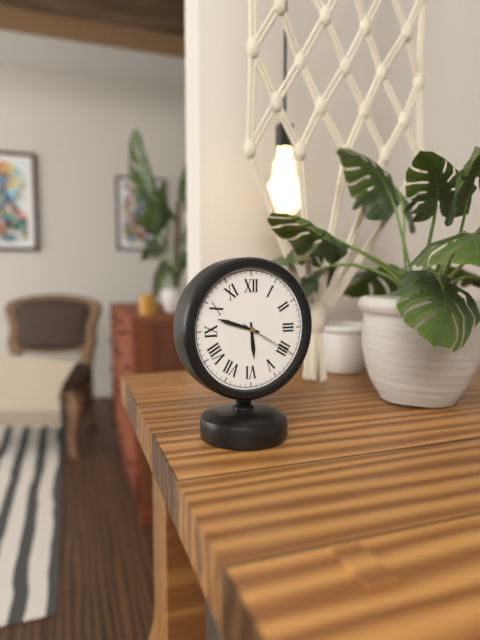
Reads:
h=5 m=48 s=20
